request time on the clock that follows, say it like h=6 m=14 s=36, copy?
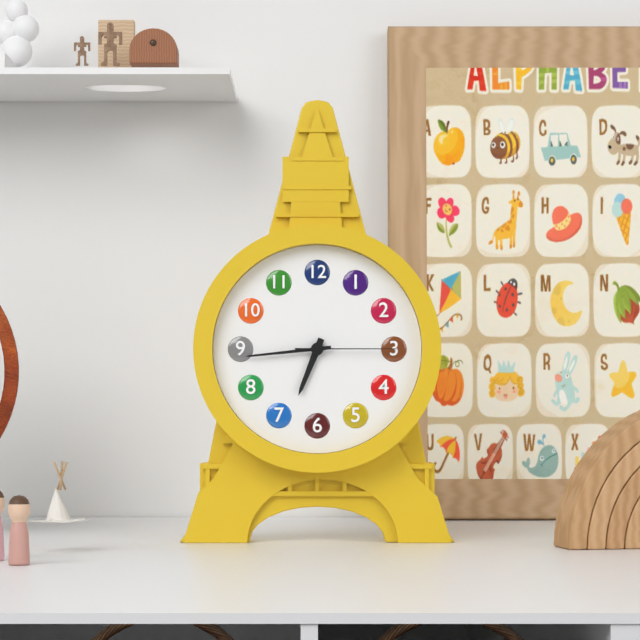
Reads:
h=6 m=44 s=15
